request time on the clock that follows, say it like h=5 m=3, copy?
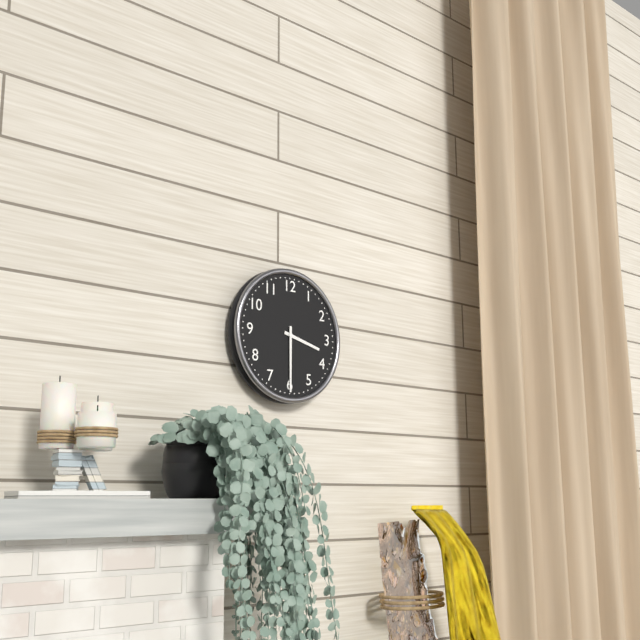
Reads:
h=3 m=30
